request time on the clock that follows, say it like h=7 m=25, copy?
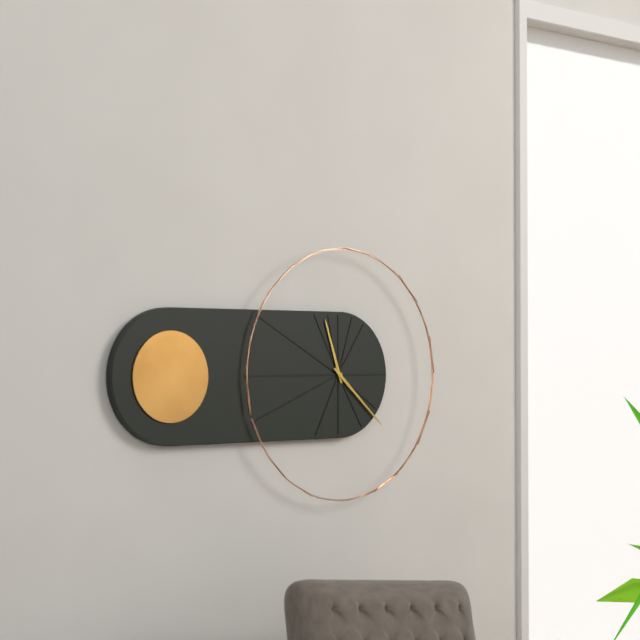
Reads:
h=11 m=22
